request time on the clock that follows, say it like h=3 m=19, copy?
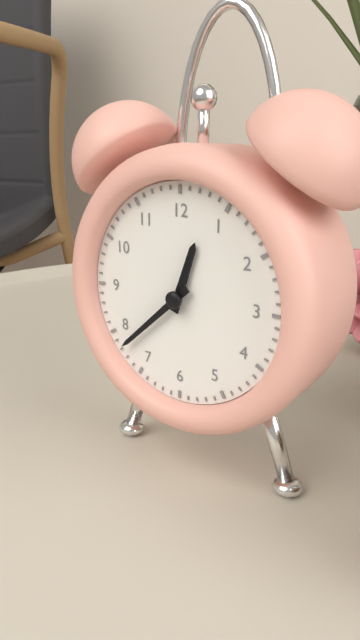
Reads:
h=12 m=38
